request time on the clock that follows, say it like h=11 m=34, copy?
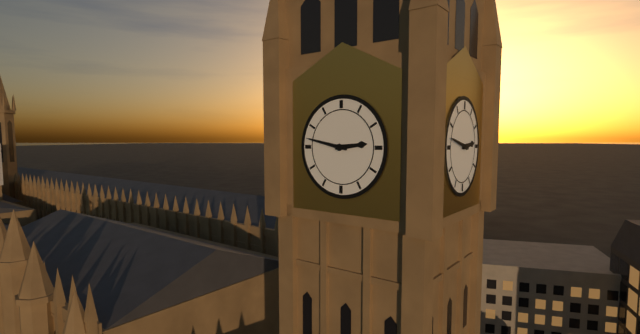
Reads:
h=2 m=47
